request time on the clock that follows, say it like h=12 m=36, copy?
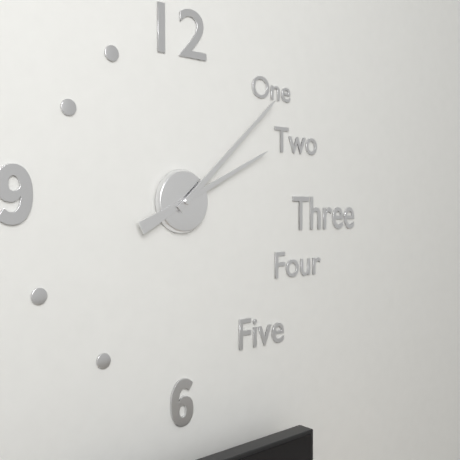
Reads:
h=2 m=8
